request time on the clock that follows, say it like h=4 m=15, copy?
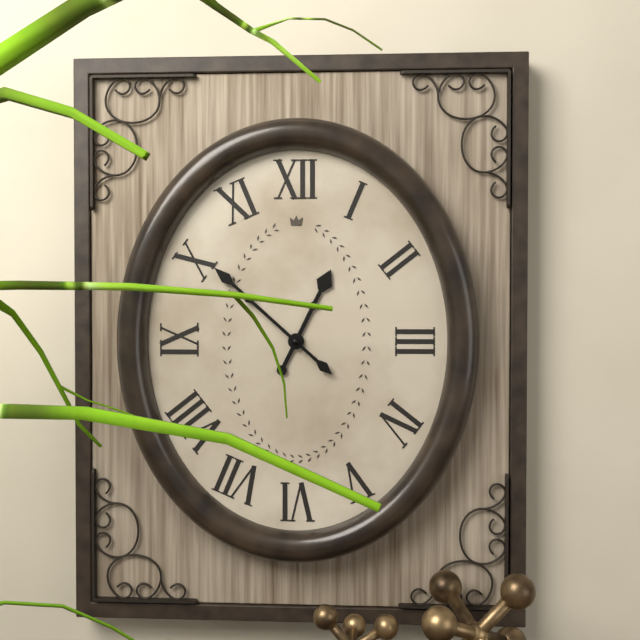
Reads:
h=12 m=52
